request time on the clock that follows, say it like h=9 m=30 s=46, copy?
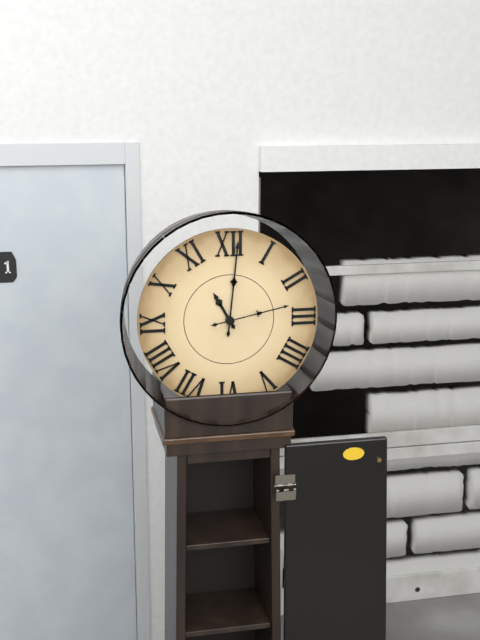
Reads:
h=11 m=1 s=13
